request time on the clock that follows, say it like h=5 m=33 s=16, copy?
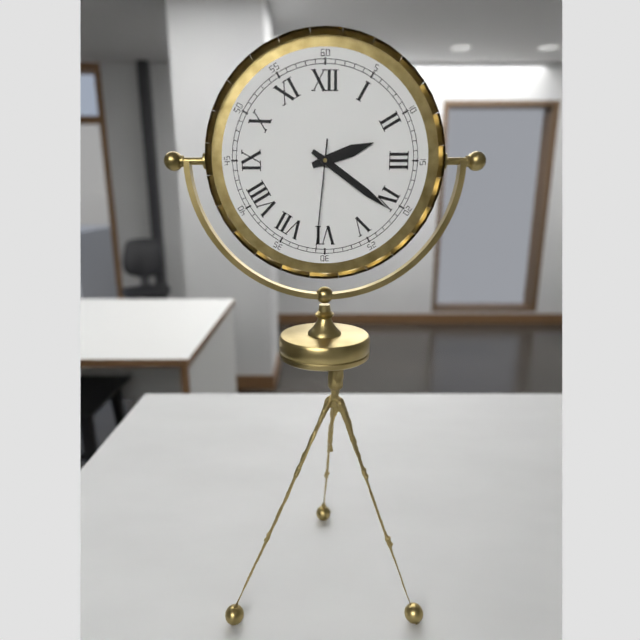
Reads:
h=2 m=21 s=31
